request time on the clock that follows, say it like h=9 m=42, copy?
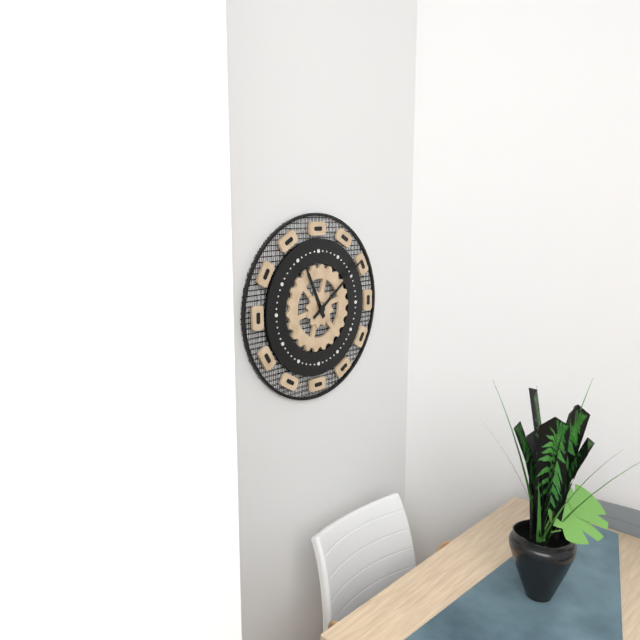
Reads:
h=11 m=9
